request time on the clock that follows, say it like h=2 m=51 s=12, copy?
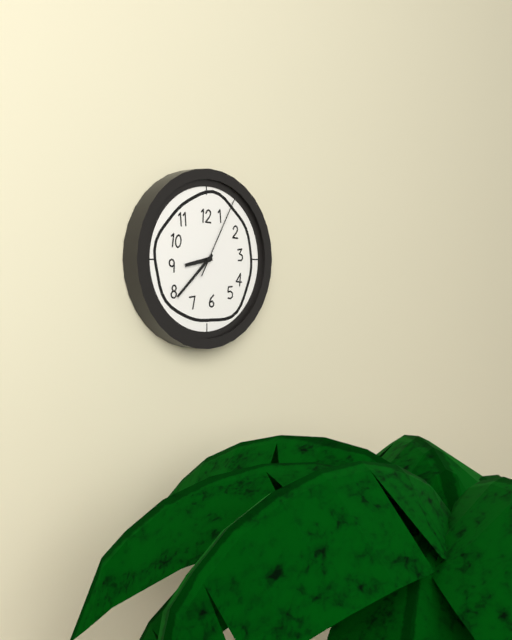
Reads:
h=8 m=38 s=5
